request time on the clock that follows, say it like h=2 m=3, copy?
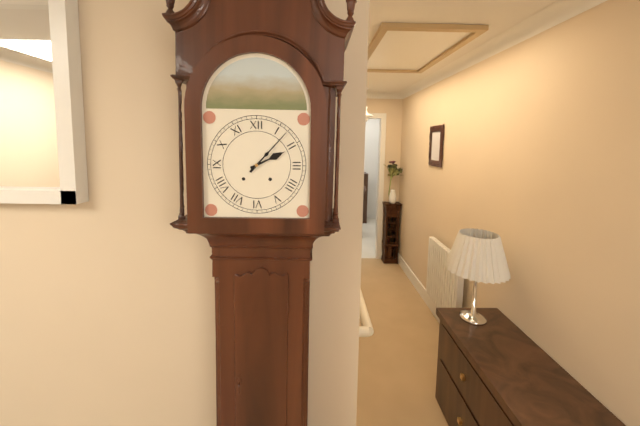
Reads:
h=2 m=7
